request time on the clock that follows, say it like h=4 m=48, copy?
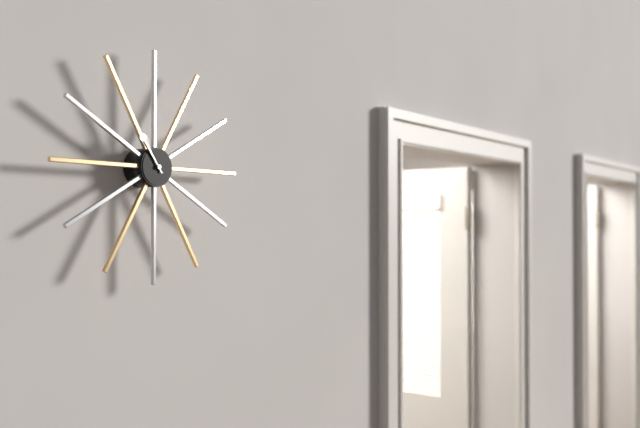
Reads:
h=10 m=54
